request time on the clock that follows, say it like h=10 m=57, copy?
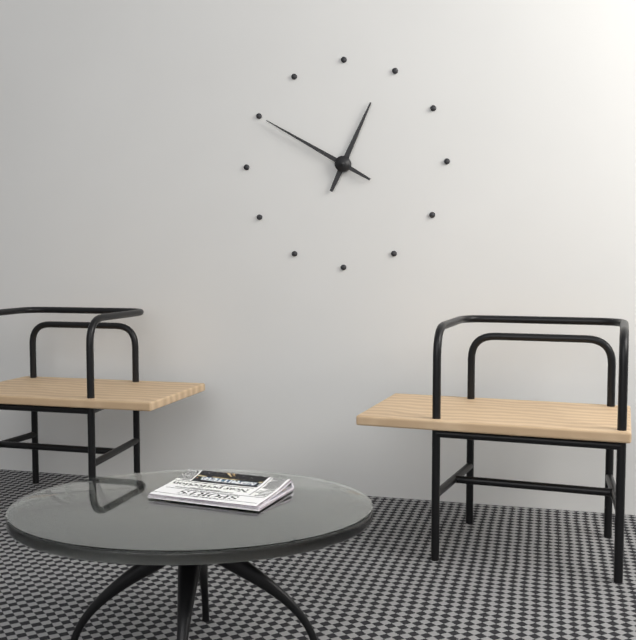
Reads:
h=12 m=50
